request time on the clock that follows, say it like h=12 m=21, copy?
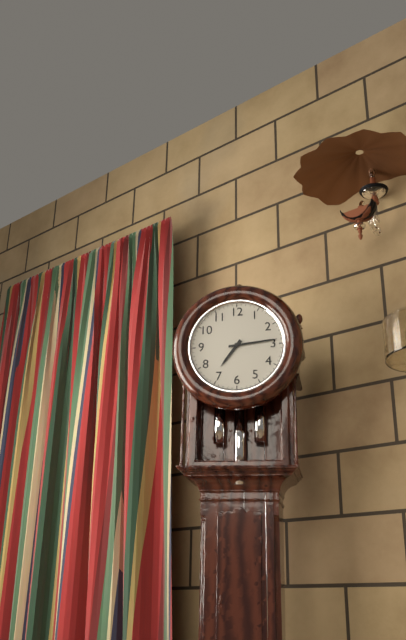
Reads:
h=7 m=14
